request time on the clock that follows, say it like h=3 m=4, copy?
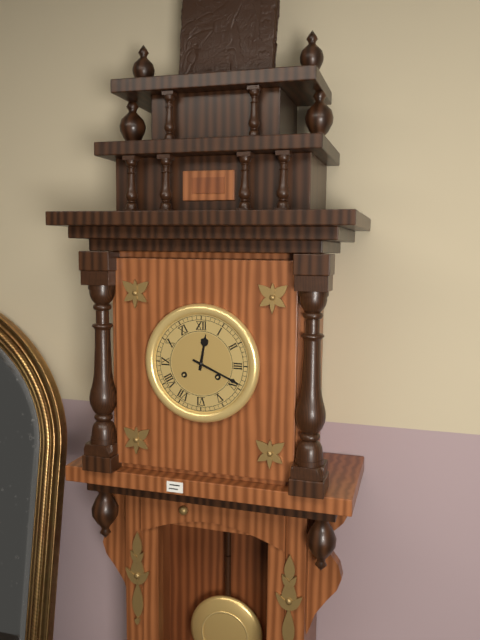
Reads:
h=12 m=19
